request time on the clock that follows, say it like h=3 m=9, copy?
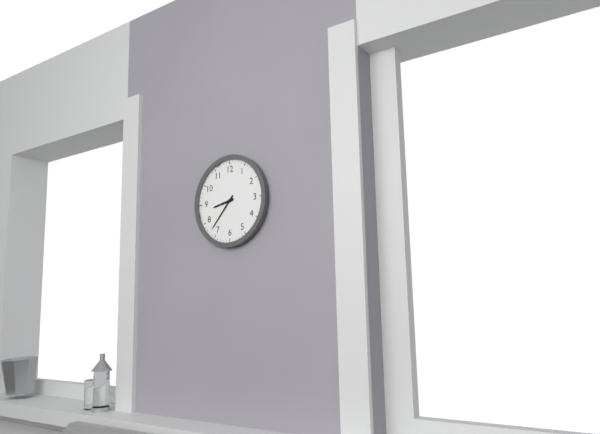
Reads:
h=8 m=37
